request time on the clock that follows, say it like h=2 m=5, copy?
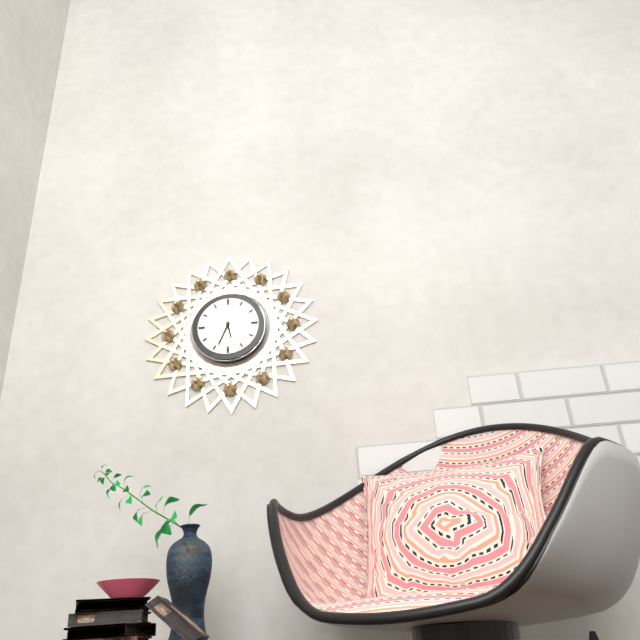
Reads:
h=5 m=34
